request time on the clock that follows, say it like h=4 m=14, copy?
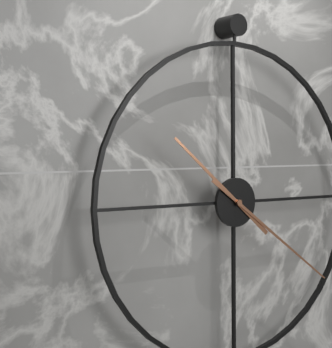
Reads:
h=10 m=21
